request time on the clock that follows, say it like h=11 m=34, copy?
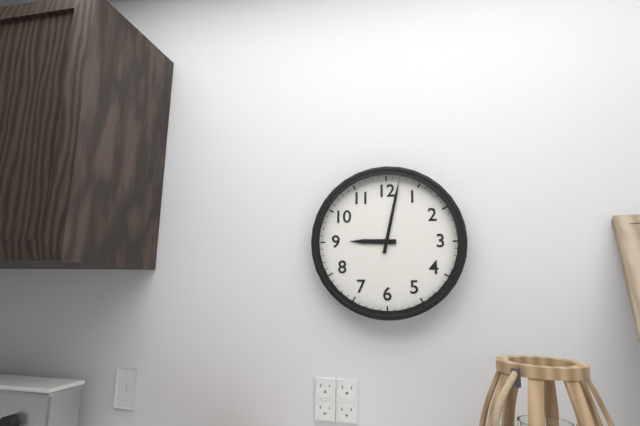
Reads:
h=9 m=2
